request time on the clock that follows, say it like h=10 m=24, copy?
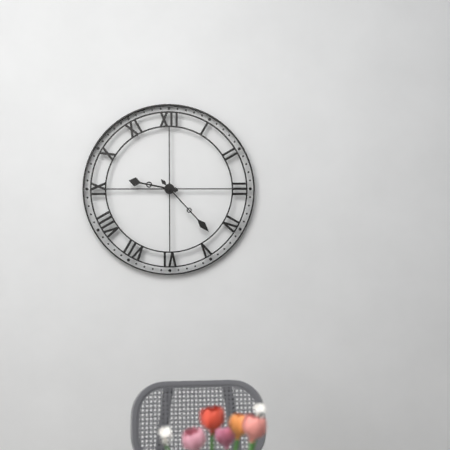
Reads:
h=9 m=23
